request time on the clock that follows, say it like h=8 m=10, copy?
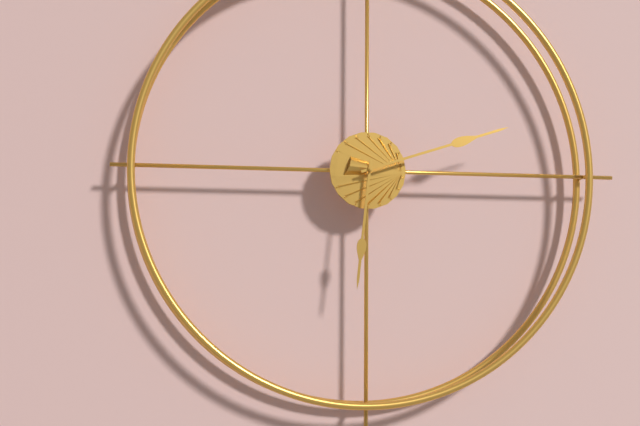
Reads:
h=6 m=12
